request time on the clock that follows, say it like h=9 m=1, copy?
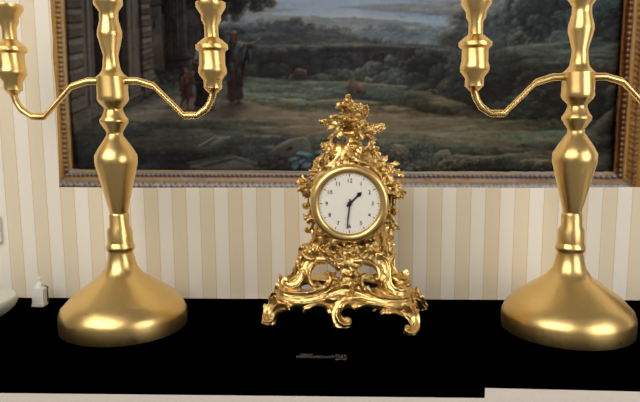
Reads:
h=1 m=31
